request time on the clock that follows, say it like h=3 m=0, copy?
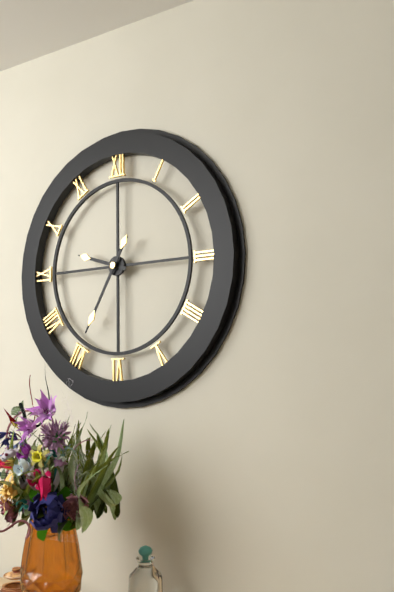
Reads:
h=9 m=35
